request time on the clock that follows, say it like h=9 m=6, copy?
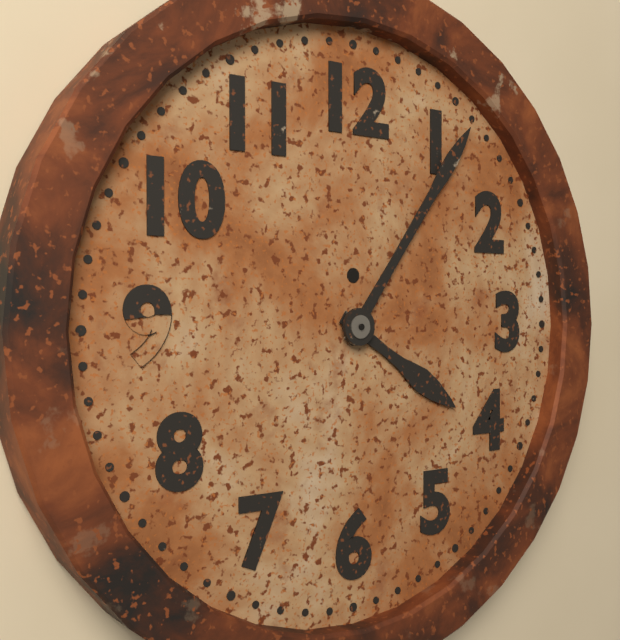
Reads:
h=4 m=6
